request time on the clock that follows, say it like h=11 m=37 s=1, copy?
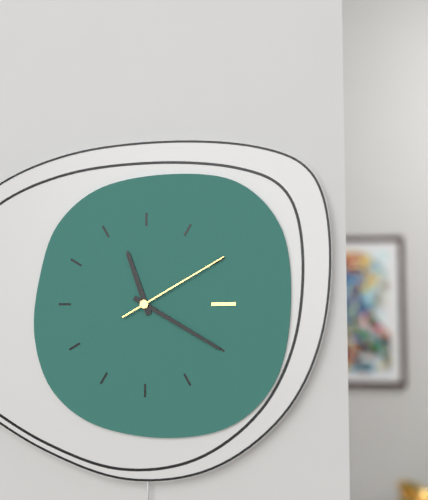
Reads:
h=11 m=20 s=10
